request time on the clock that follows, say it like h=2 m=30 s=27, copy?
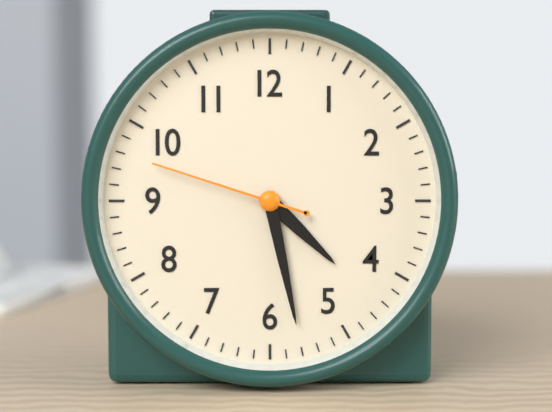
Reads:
h=4 m=28 s=48
